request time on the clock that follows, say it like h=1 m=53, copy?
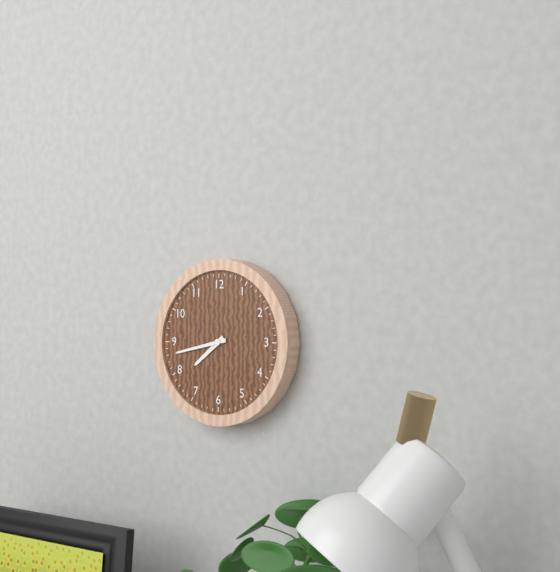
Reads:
h=7 m=43
